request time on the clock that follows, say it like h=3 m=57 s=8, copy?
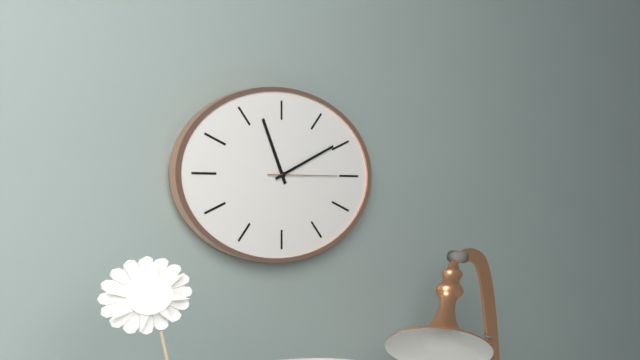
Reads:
h=11 m=11 s=15
